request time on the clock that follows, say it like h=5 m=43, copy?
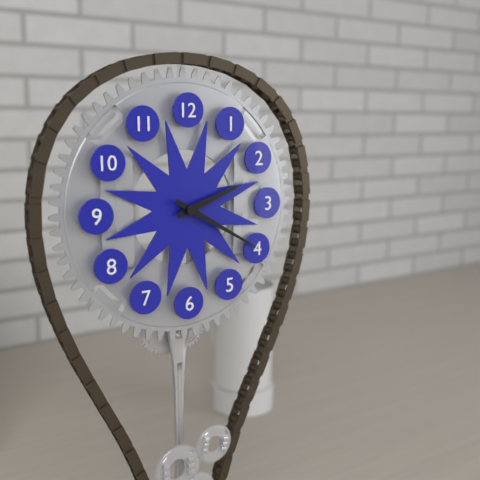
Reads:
h=2 m=20
